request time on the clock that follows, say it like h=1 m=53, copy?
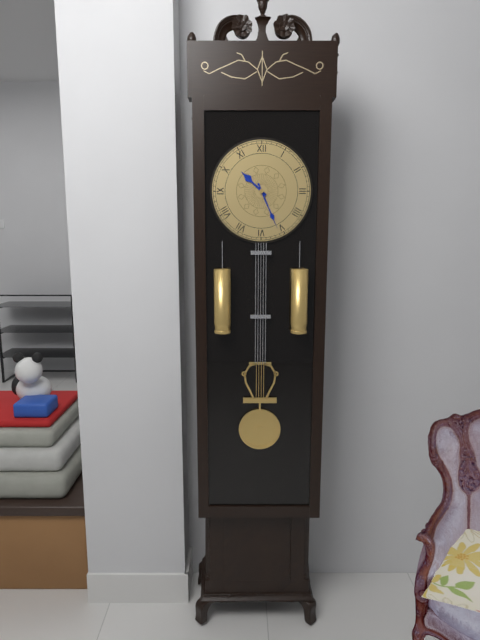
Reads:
h=10 m=26
